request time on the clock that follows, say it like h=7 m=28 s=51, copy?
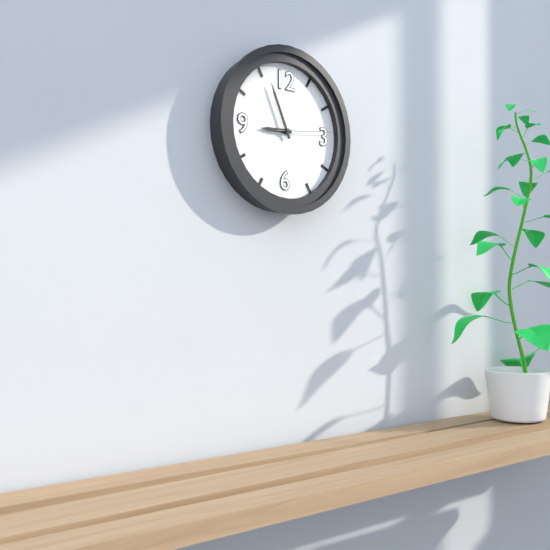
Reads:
h=8 m=56 s=14
